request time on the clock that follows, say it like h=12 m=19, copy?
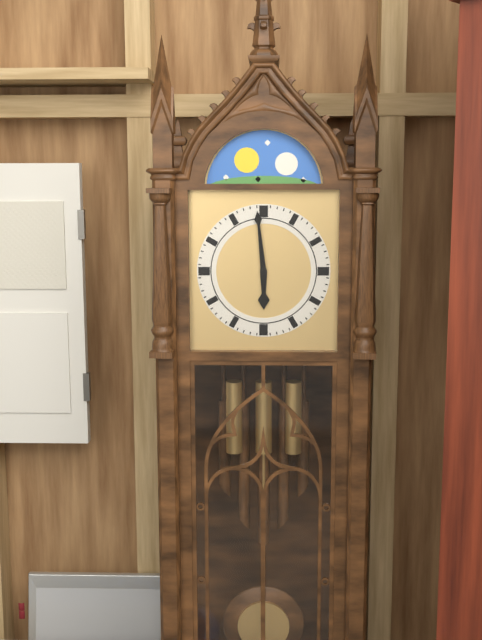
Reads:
h=5 m=59
